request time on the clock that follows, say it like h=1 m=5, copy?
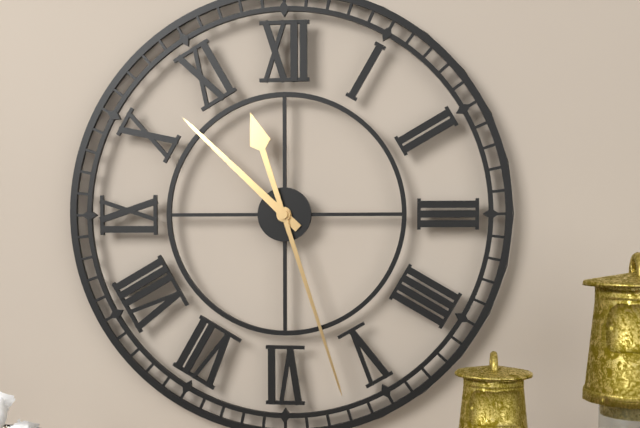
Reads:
h=10 m=27
